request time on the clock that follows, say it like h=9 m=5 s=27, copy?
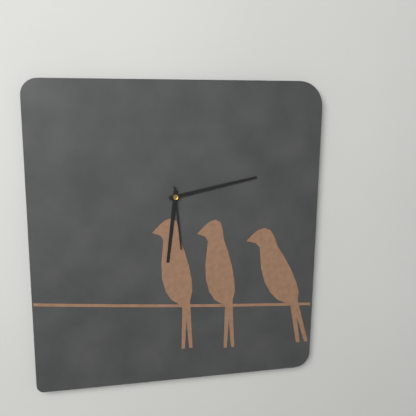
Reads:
h=6 m=13 s=29
